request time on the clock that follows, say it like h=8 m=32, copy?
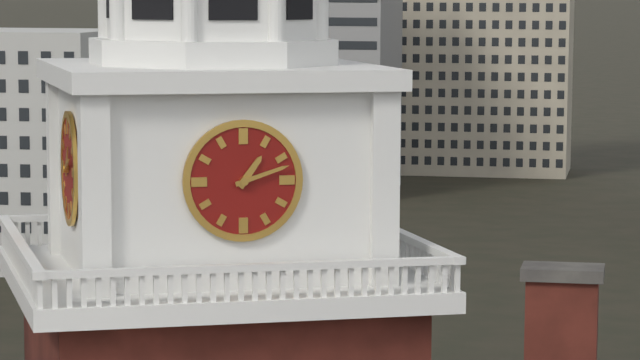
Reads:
h=1 m=12
